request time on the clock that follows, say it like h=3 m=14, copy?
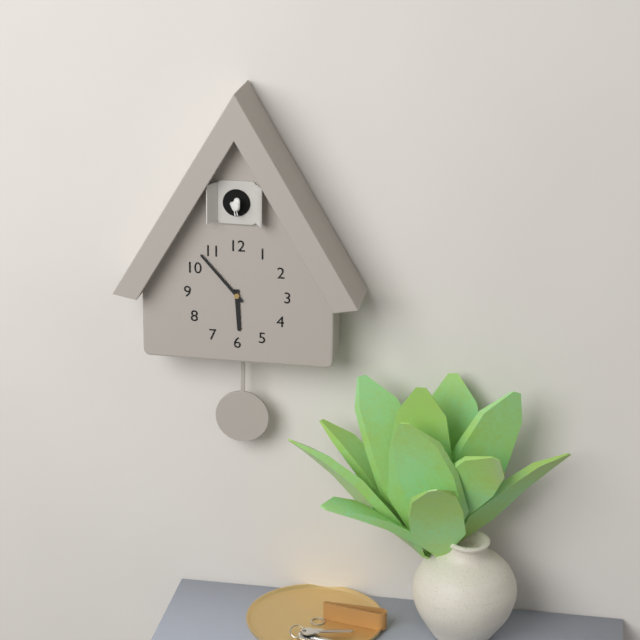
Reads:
h=5 m=53
